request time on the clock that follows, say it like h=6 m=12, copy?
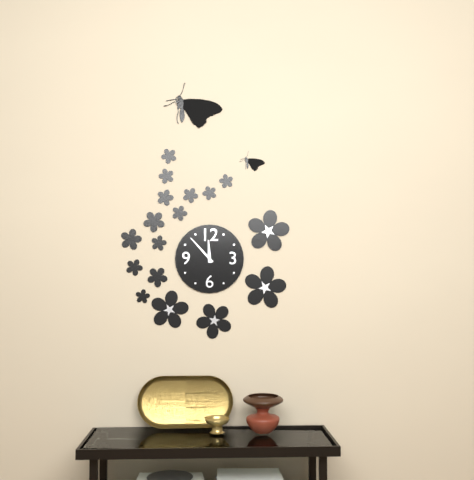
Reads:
h=11 m=53
